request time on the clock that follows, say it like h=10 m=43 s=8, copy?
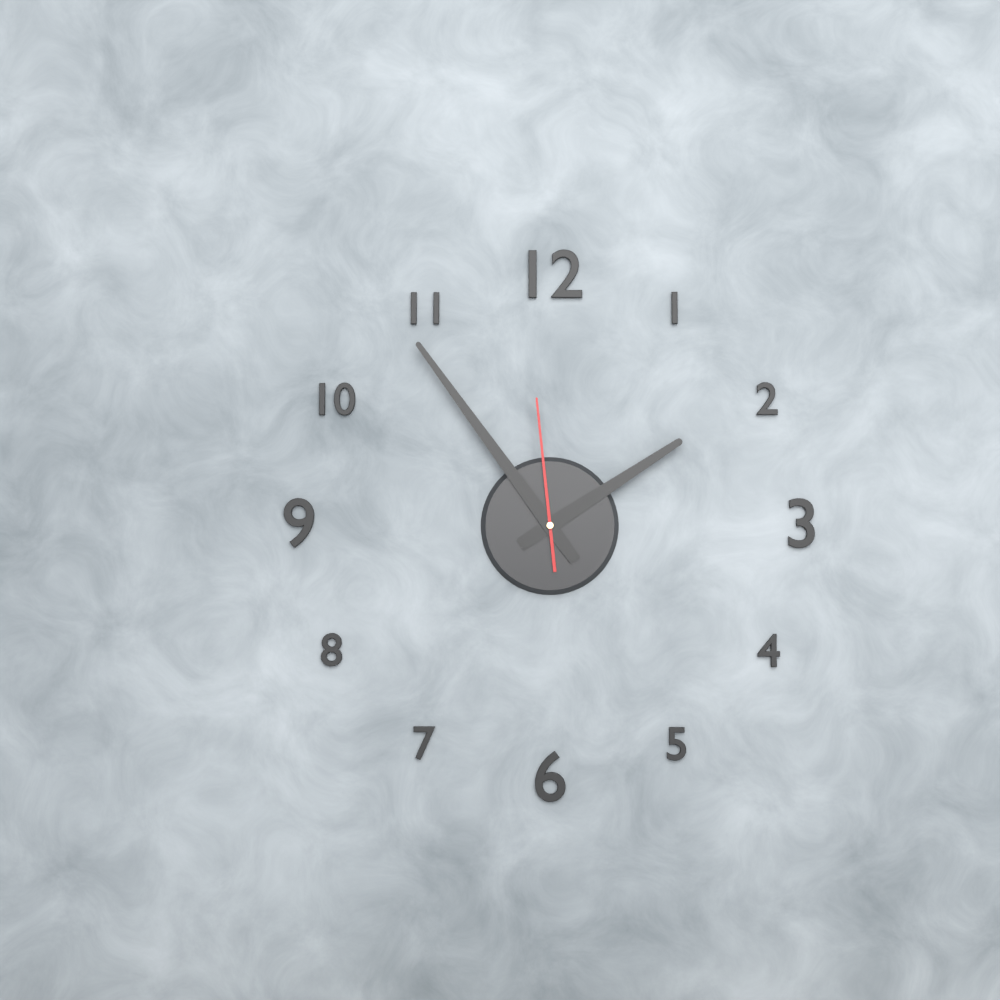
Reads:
h=1 m=54 s=59
